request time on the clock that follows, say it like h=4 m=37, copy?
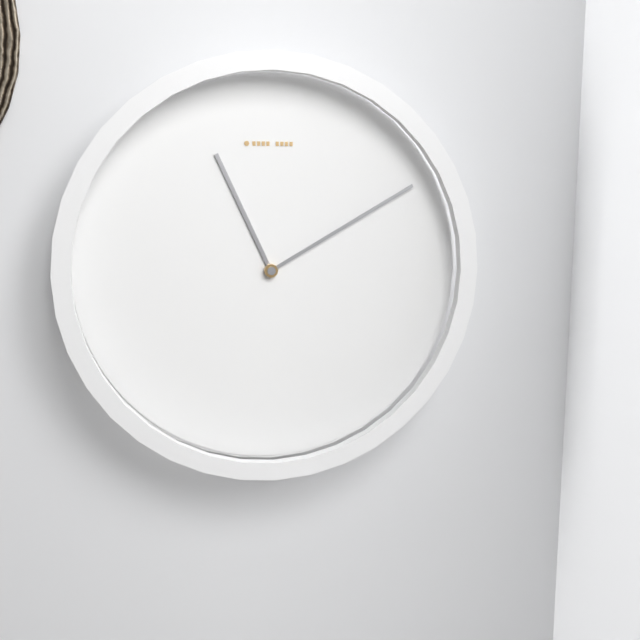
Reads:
h=11 m=10
